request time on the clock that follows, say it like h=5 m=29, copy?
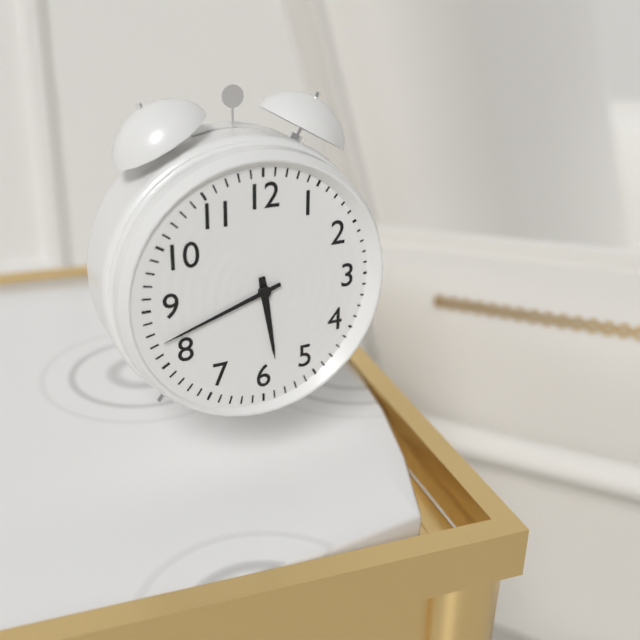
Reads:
h=5 m=42
